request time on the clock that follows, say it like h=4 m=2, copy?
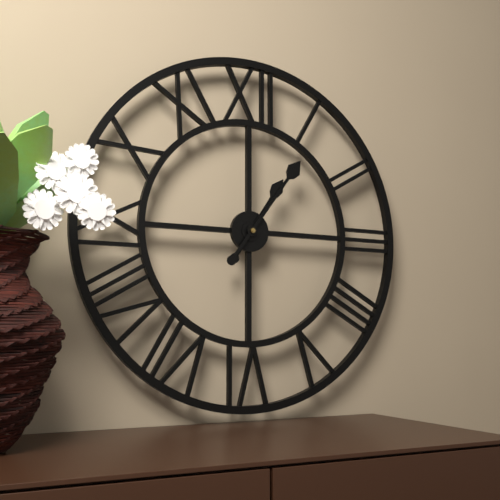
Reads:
h=1 m=6
